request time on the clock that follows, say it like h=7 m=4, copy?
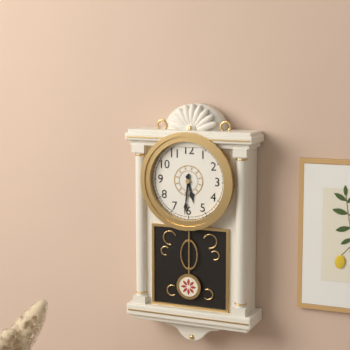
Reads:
h=5 m=31
